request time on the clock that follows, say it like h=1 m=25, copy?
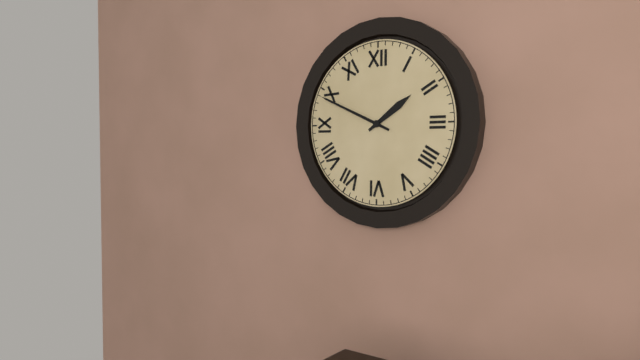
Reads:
h=1 m=49
